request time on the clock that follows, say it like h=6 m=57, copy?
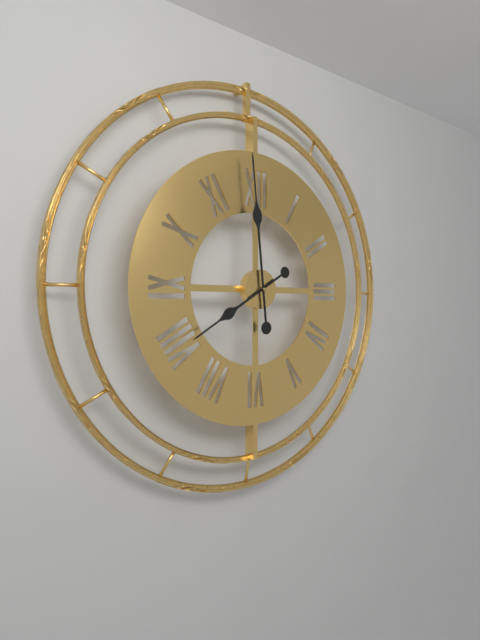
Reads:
h=7 m=59
